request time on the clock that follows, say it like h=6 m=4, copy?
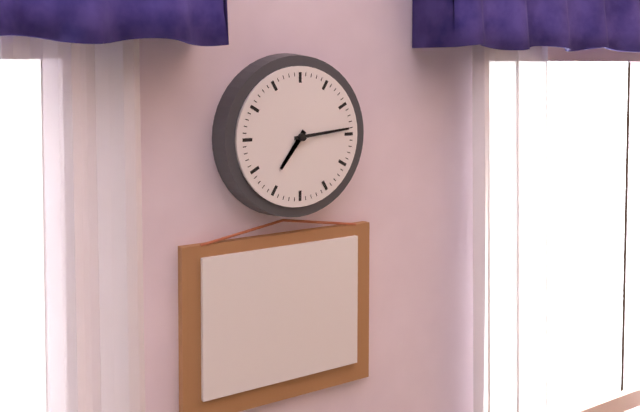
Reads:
h=7 m=14
